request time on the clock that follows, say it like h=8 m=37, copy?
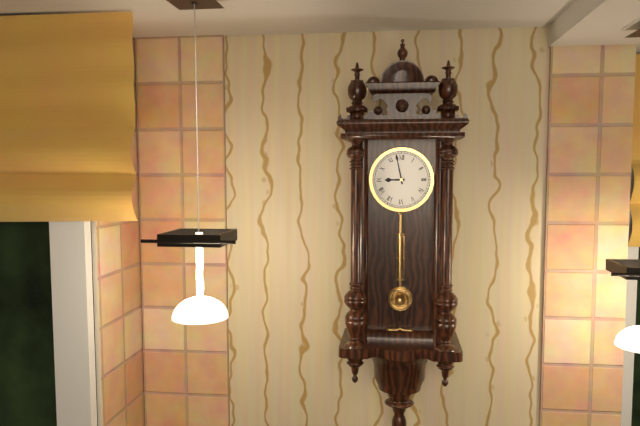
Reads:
h=8 m=58
